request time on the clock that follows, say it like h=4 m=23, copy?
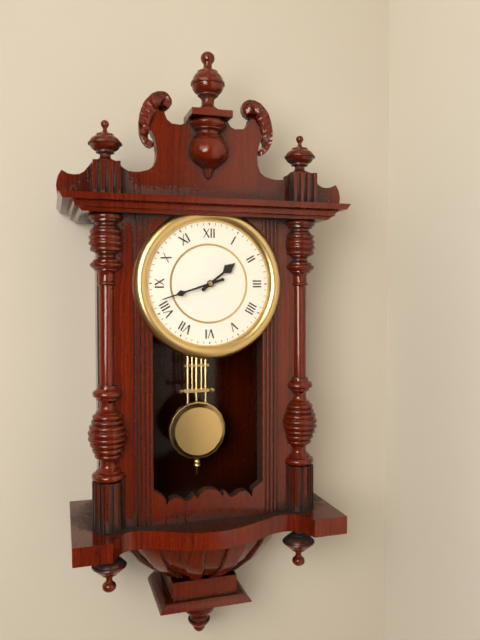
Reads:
h=1 m=42
